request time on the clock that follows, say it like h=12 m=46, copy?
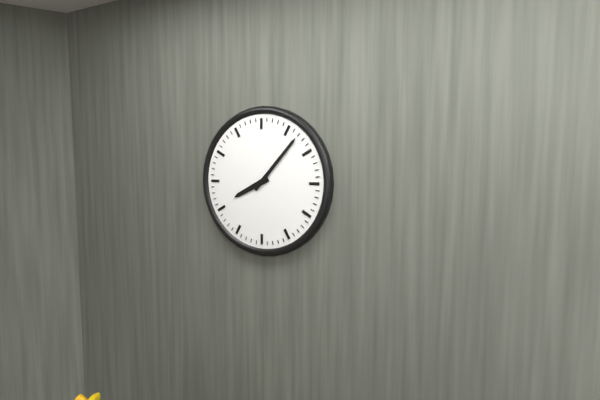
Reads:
h=8 m=7
